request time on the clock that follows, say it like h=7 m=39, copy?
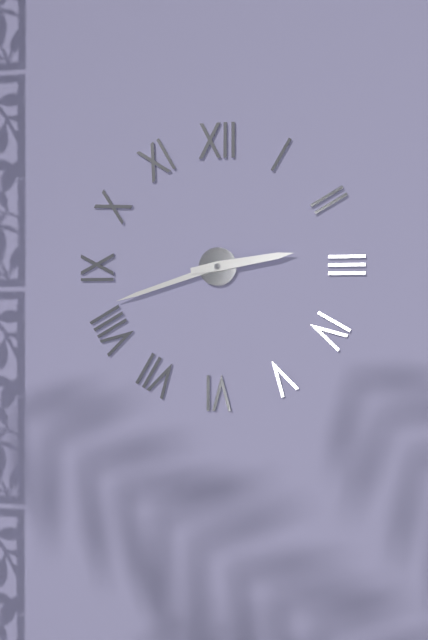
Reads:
h=2 m=42
